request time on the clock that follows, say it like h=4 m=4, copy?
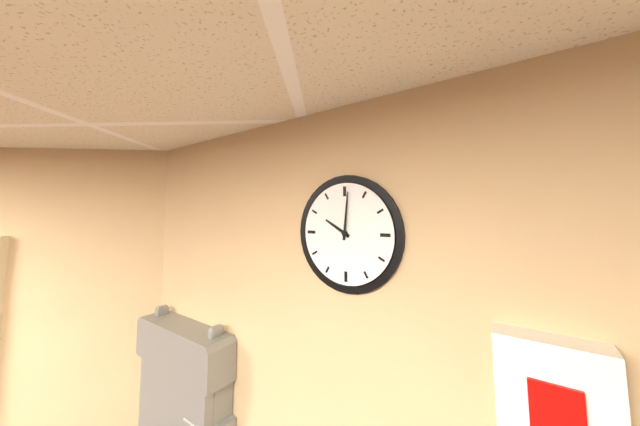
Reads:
h=10 m=1
